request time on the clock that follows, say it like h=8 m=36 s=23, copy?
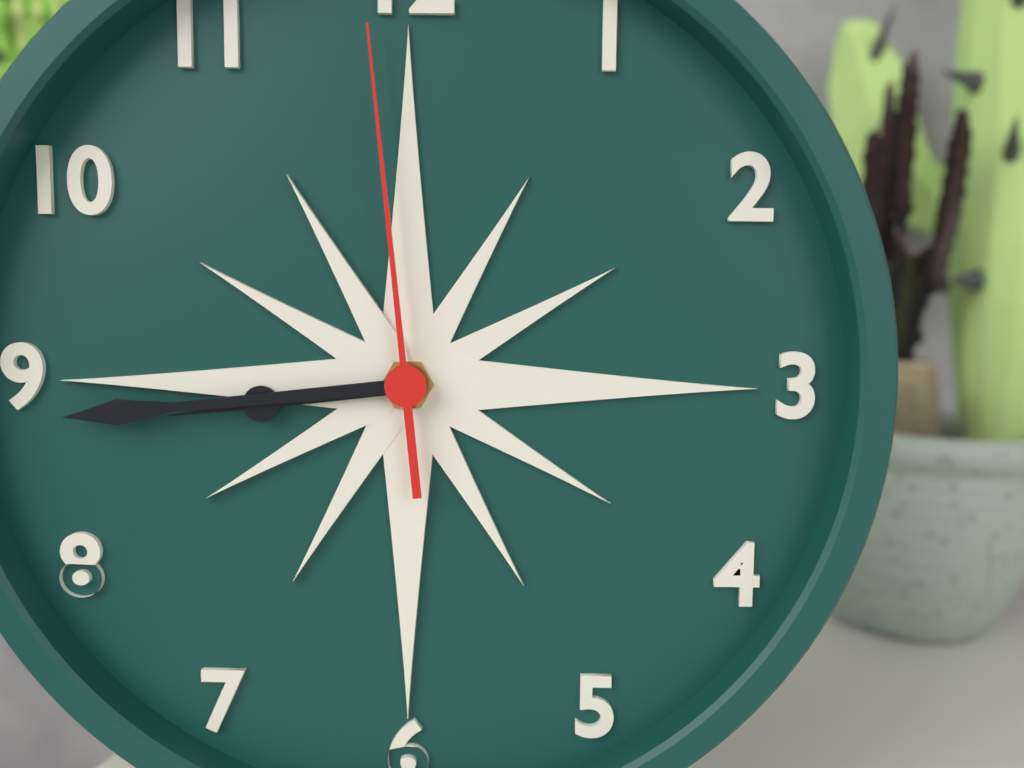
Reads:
h=8 m=44 s=59
